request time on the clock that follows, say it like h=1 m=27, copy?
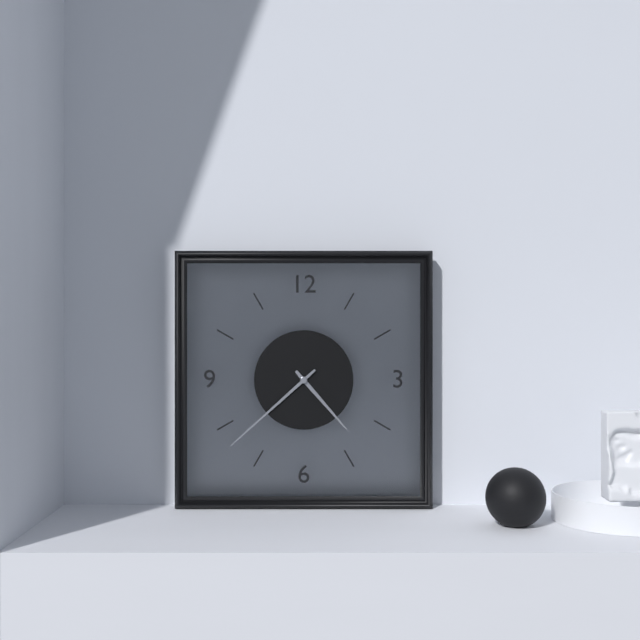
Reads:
h=4 m=38
